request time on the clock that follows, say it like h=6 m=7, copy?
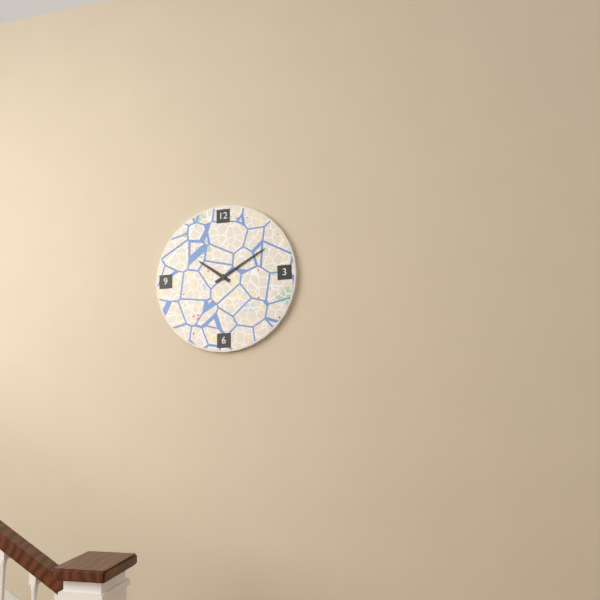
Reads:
h=10 m=10
